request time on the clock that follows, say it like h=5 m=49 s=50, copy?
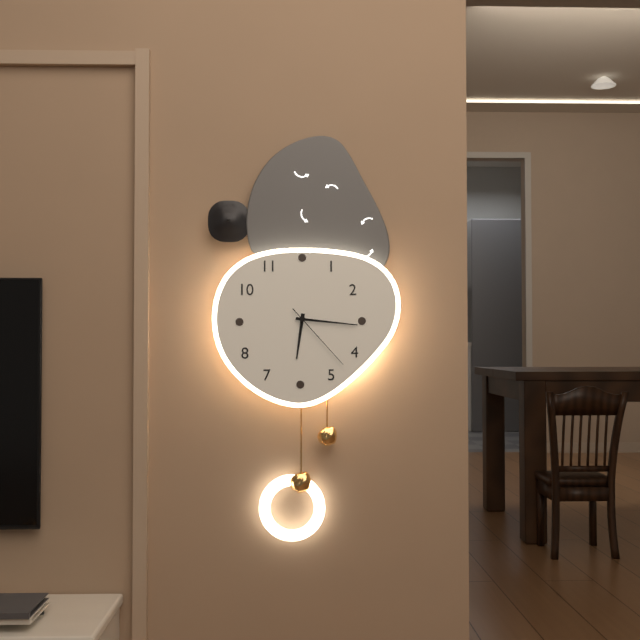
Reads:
h=6 m=16 s=23
